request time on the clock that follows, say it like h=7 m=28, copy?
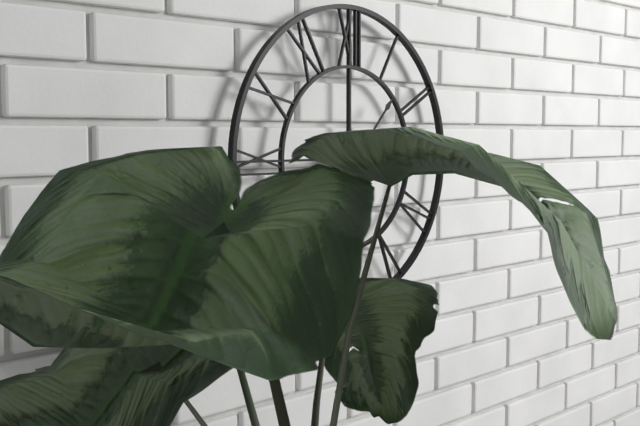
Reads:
h=2 m=7
